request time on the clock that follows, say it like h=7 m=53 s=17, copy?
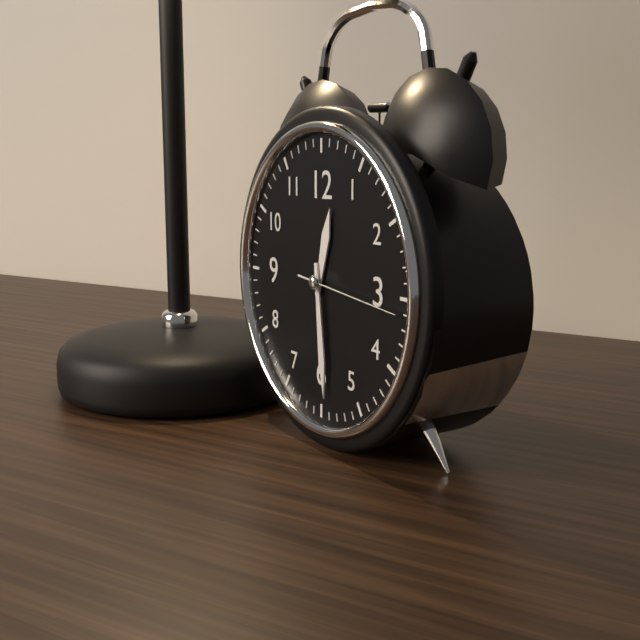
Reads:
h=12 m=29 s=16
